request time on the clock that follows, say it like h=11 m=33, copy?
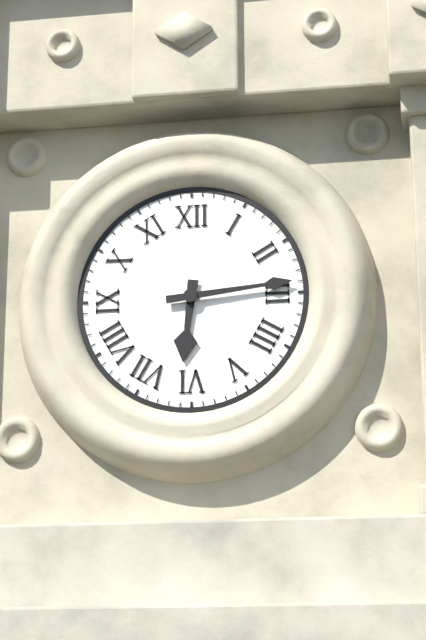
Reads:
h=6 m=14
